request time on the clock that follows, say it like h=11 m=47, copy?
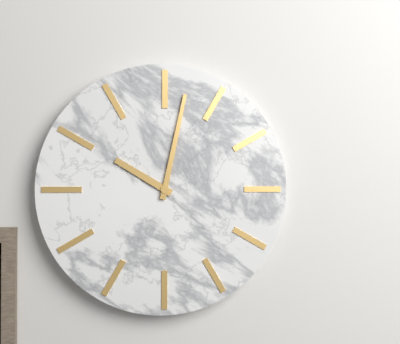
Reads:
h=10 m=2
